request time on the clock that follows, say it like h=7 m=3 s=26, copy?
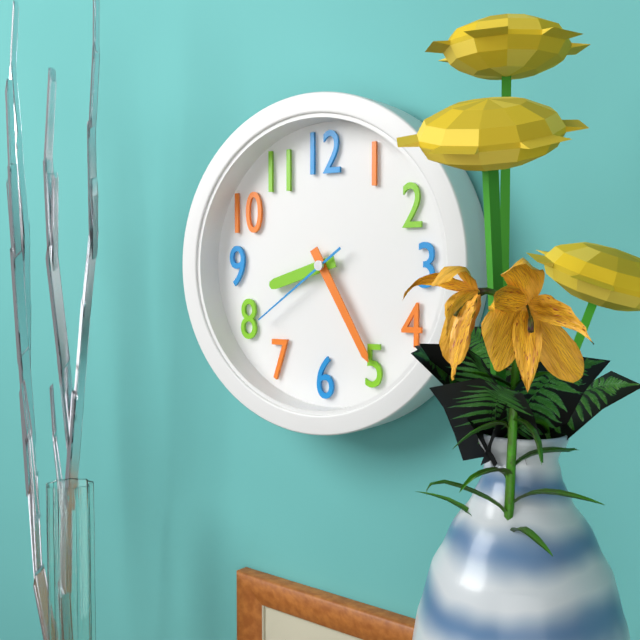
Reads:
h=8 m=25 s=39
